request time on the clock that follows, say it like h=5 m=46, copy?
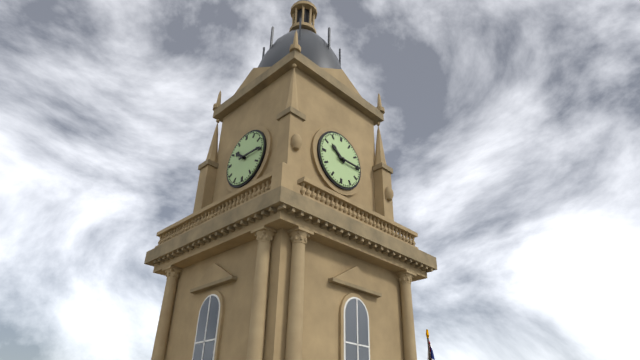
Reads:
h=10 m=15
